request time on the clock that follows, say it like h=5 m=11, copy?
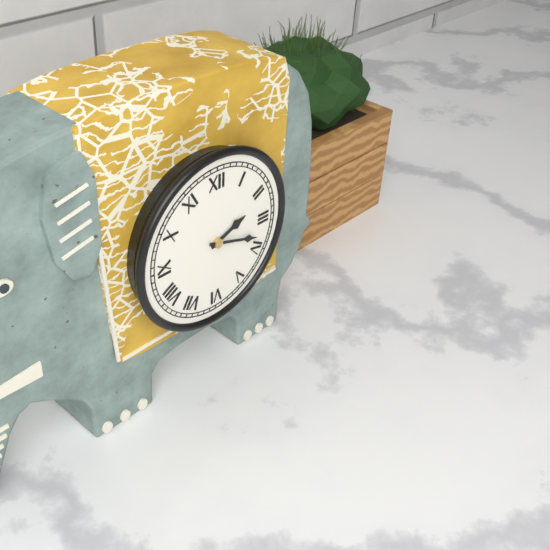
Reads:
h=2 m=18
